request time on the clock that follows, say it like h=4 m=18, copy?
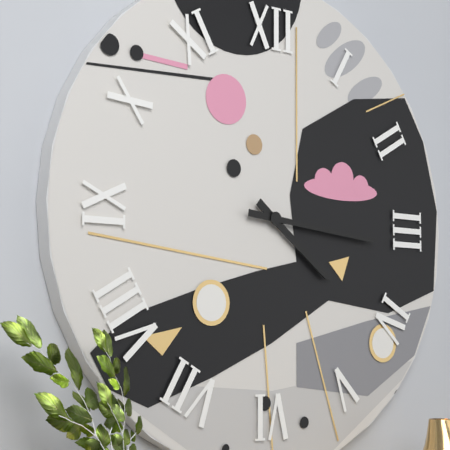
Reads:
h=4 m=16
